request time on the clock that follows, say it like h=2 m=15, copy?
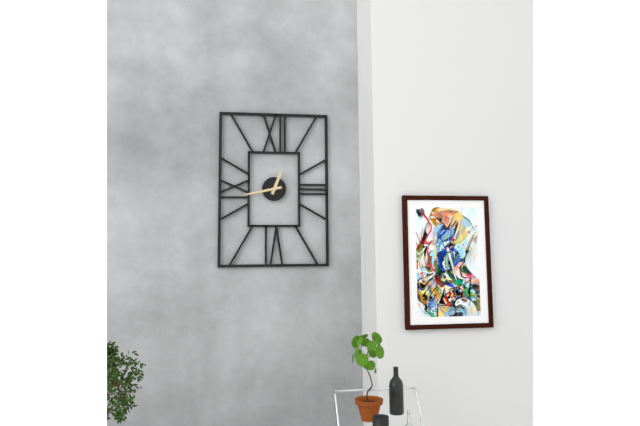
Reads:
h=12 m=43
